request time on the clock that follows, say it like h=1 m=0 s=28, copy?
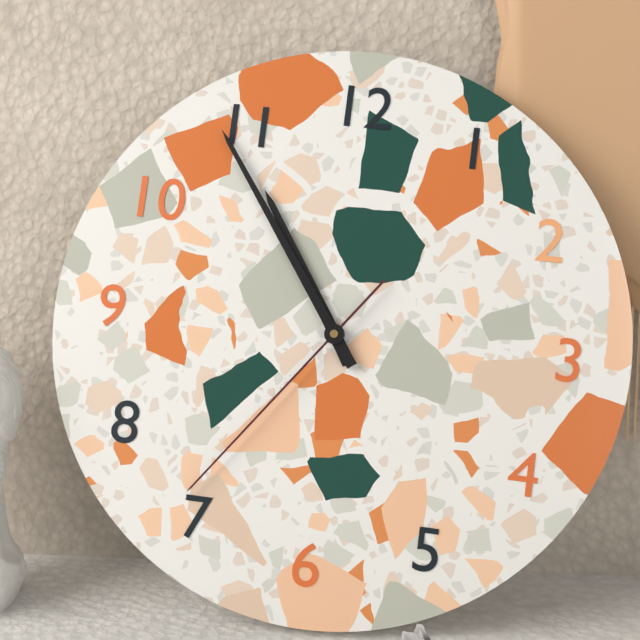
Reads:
h=10 m=54 s=36
